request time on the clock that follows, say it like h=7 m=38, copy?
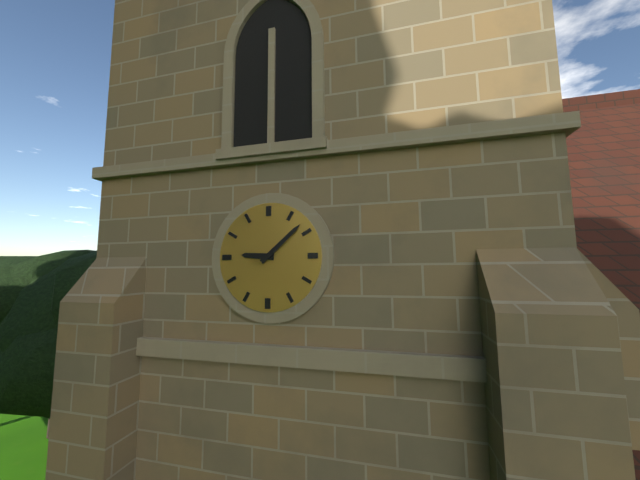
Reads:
h=9 m=8
